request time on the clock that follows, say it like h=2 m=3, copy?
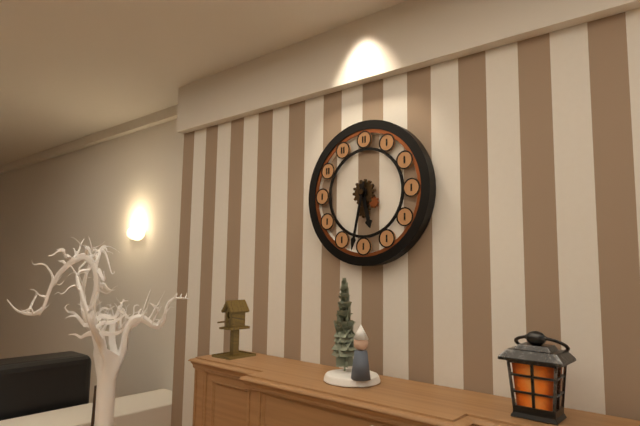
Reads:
h=5 m=32
